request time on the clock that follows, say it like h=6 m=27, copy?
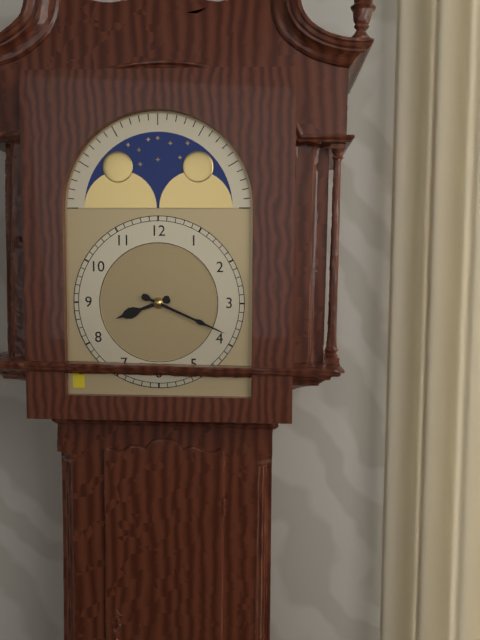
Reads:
h=8 m=19
